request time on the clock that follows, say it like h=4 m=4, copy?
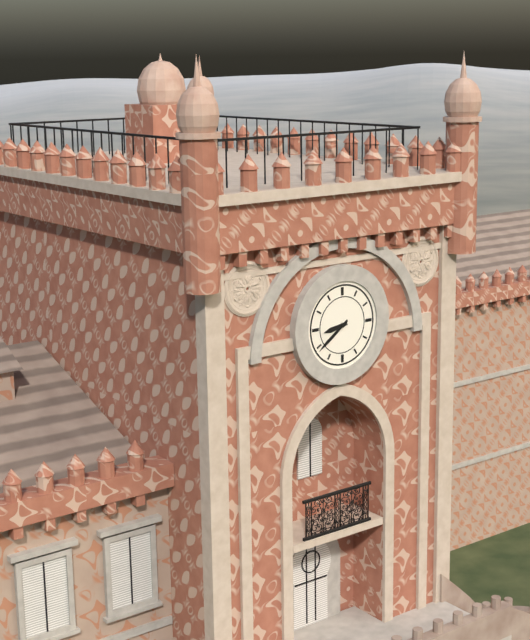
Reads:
h=8 m=39
